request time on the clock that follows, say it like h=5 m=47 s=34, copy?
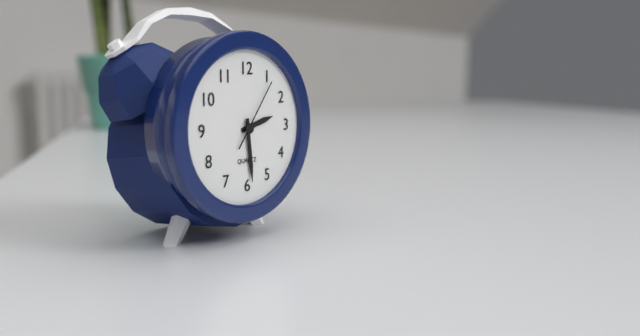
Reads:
h=2 m=29 s=6
